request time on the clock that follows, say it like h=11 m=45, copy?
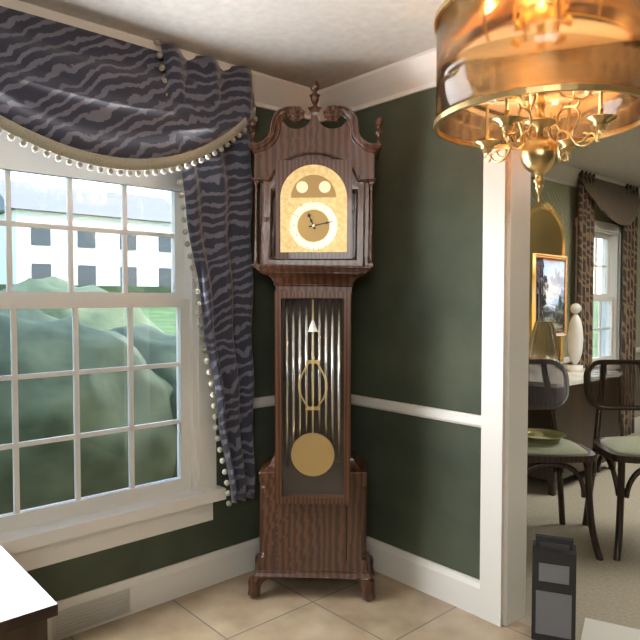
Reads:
h=11 m=13
